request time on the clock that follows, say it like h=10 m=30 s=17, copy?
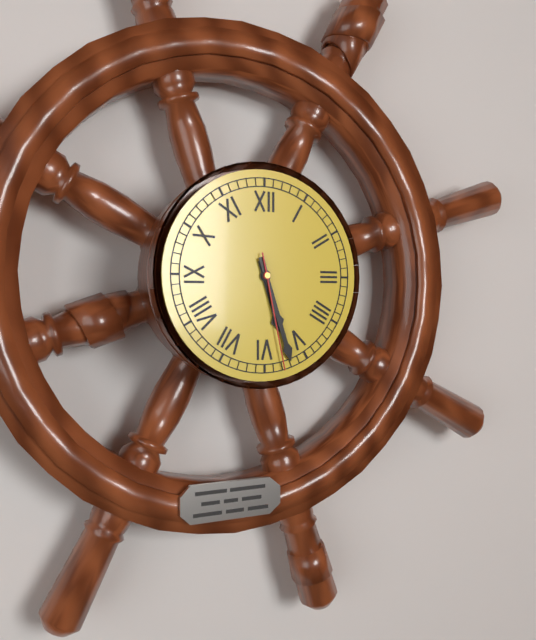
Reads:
h=5 m=27 s=28
